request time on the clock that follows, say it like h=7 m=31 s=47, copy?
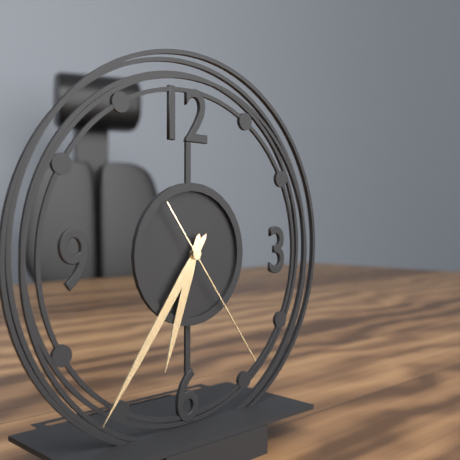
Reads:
h=6 m=36 s=24
